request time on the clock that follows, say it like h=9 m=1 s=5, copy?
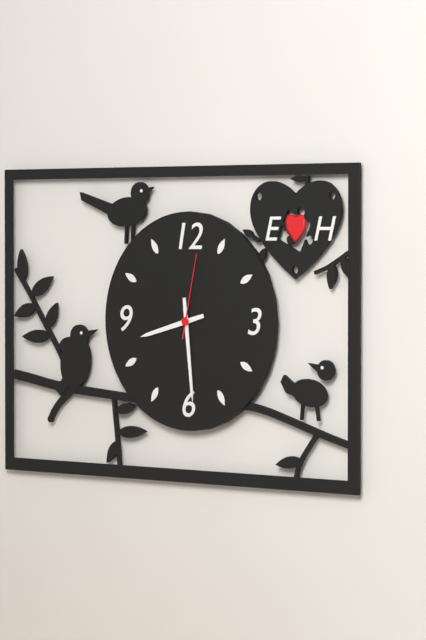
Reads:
h=8 m=29 s=2
